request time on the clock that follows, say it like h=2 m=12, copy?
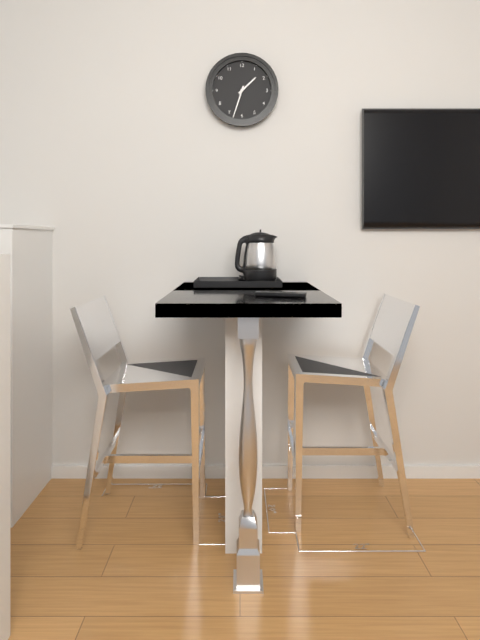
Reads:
h=1 m=33
